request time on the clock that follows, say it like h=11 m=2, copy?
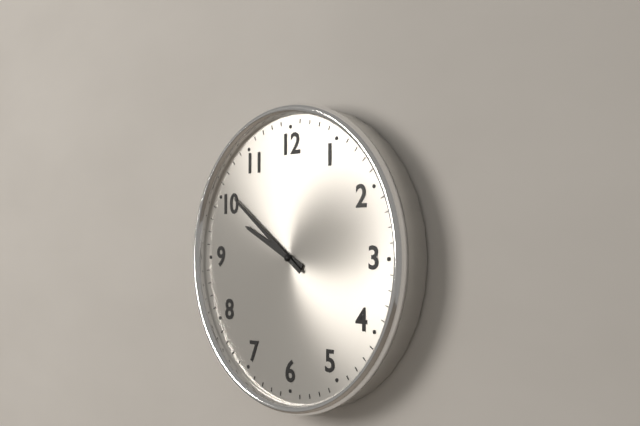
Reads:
h=9 m=51
